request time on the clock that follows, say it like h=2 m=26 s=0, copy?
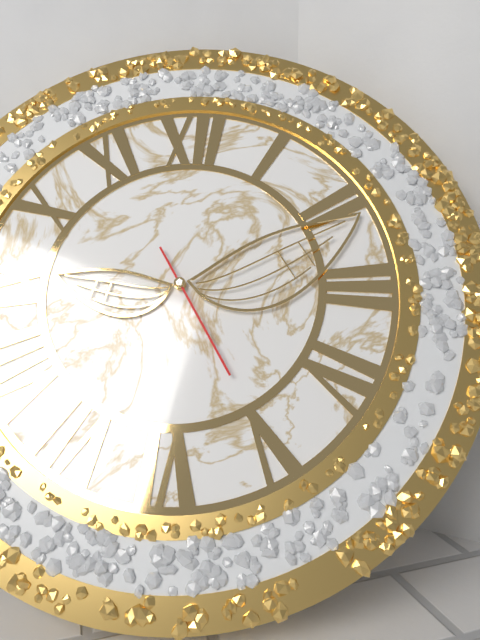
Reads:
h=9 m=11 s=25
